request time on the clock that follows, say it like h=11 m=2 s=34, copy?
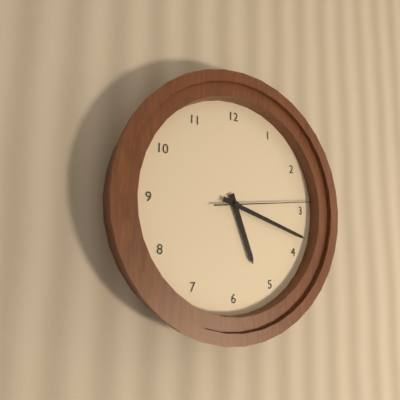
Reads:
h=5 m=18 s=14
